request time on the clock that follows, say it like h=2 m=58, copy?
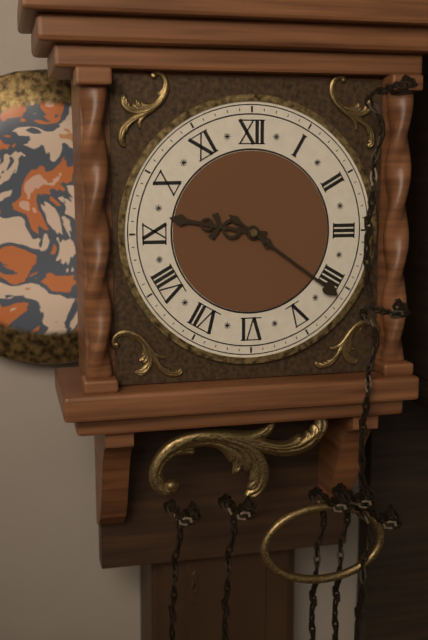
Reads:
h=9 m=21
